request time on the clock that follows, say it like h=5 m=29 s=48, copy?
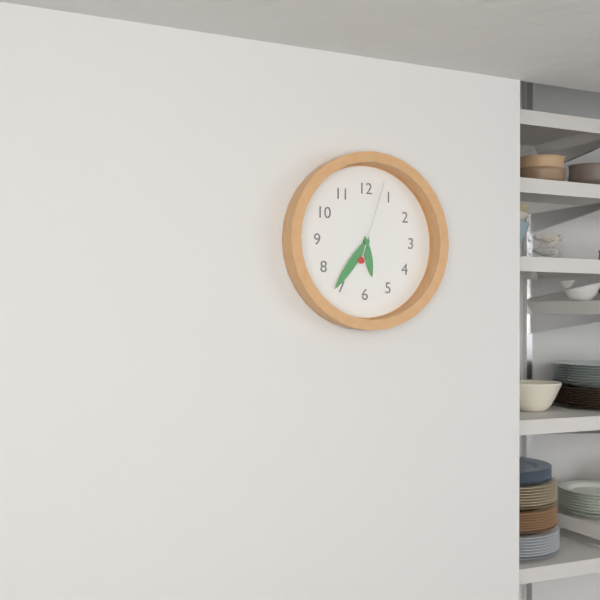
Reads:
h=5 m=36 s=3
